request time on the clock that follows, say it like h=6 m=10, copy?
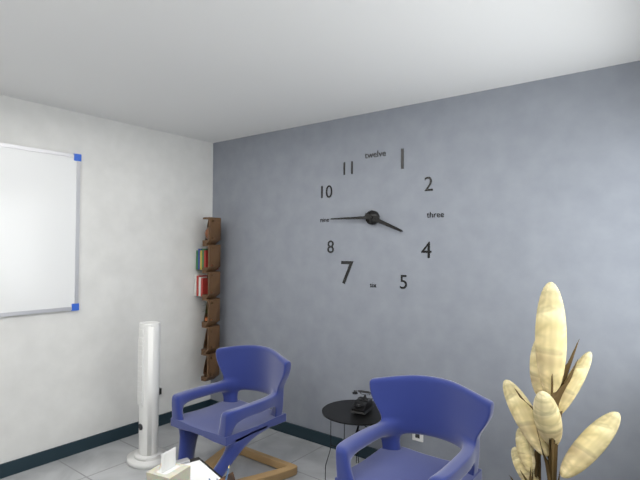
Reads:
h=3 m=45
